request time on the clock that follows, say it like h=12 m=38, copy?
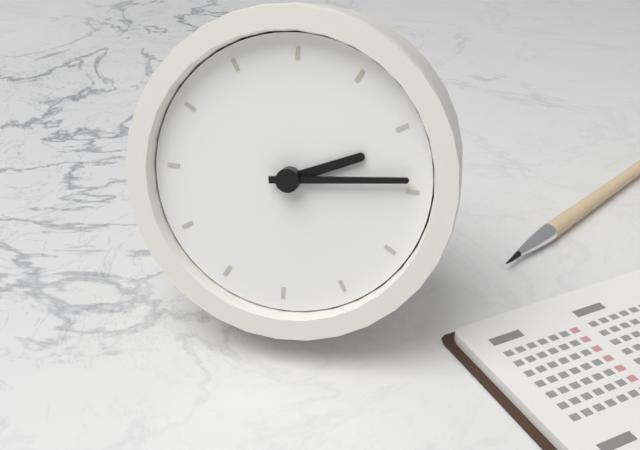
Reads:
h=2 m=14
